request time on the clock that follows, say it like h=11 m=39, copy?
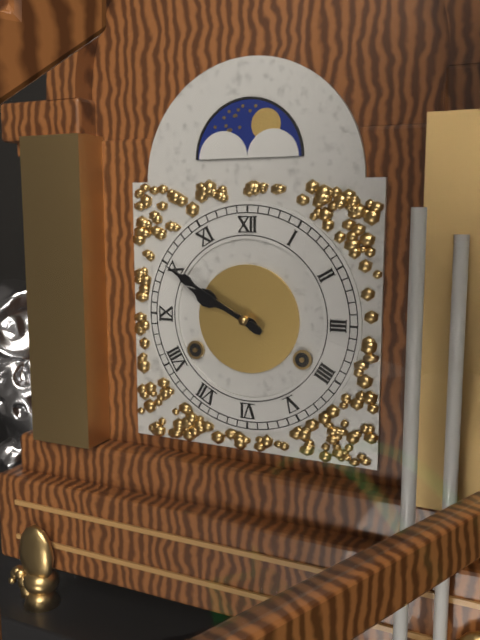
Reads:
h=9 m=50
